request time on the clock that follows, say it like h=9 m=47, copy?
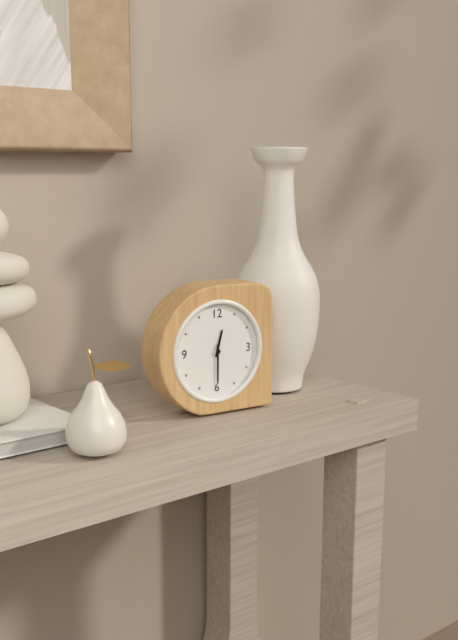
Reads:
h=12 m=30
